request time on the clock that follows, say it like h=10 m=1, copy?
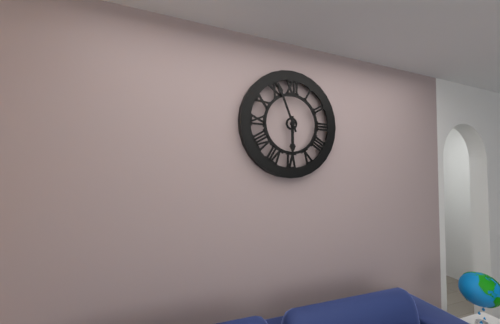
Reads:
h=5 m=56
